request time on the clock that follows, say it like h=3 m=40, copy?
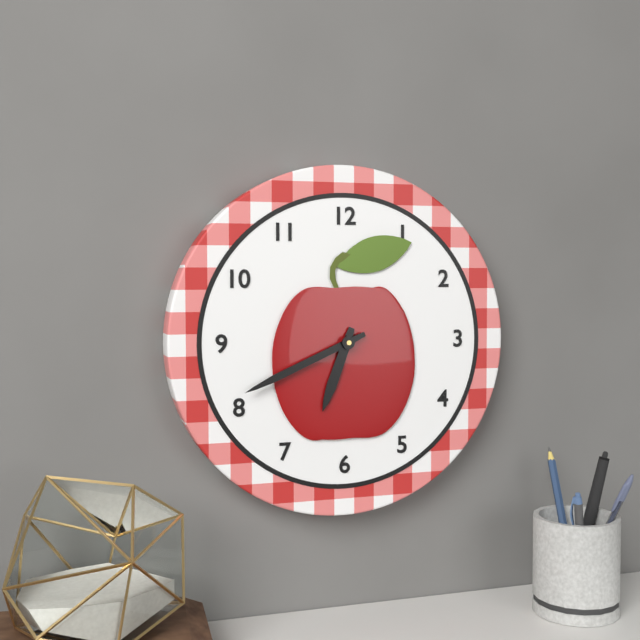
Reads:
h=6 m=41
